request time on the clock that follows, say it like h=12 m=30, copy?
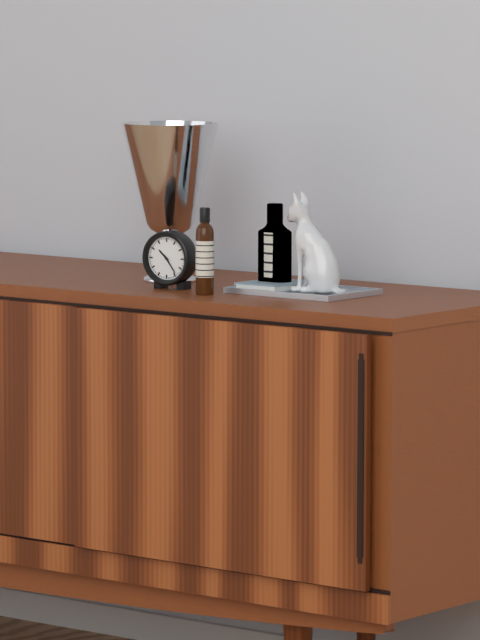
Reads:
h=10 m=24
